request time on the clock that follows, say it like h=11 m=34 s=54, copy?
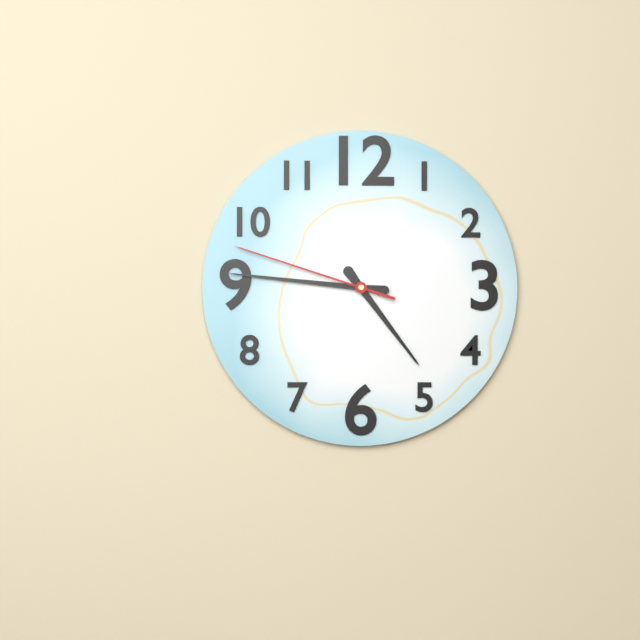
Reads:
h=4 m=46 s=48
